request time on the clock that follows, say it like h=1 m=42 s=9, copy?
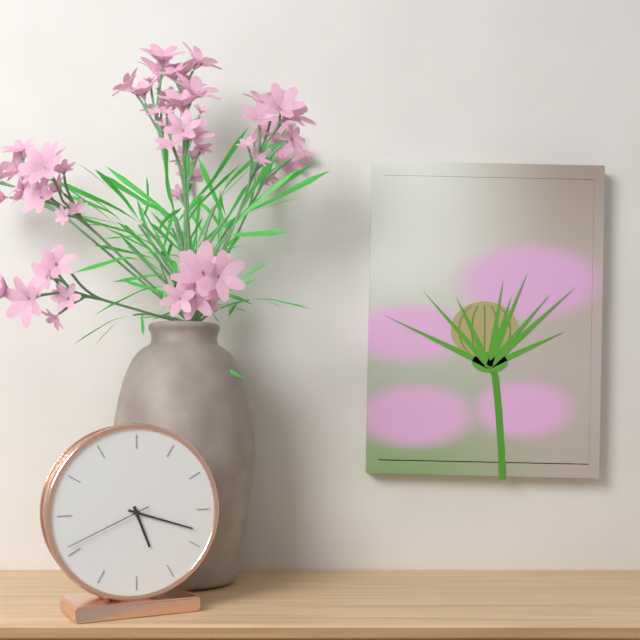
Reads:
h=5 m=18 s=41
